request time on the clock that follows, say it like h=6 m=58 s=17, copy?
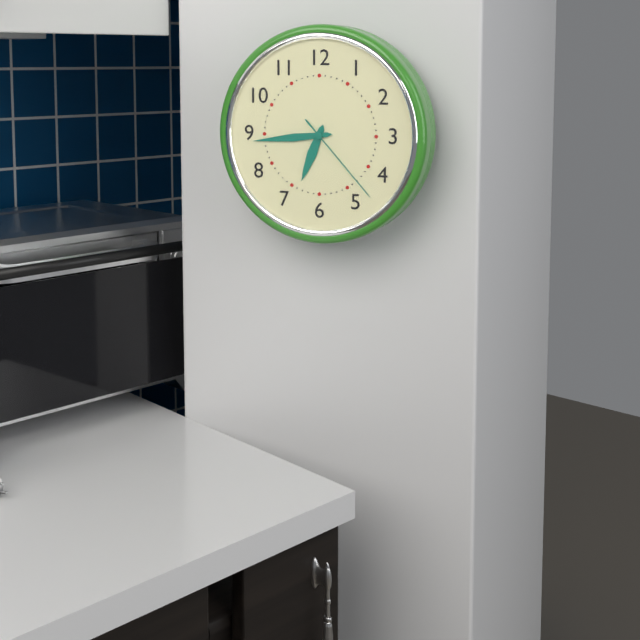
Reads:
h=6 m=44 s=23
